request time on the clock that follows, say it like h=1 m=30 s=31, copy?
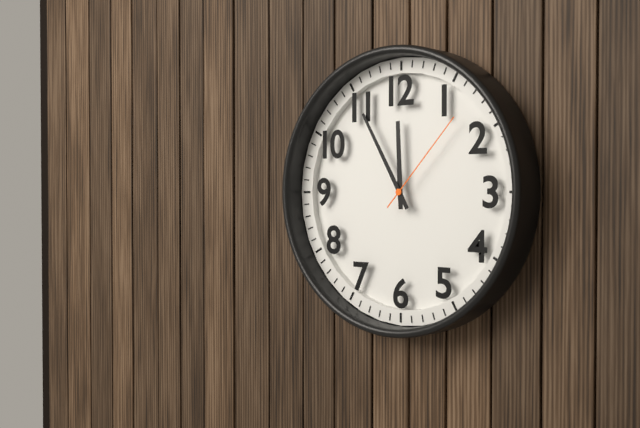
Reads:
h=11 m=55 s=7
